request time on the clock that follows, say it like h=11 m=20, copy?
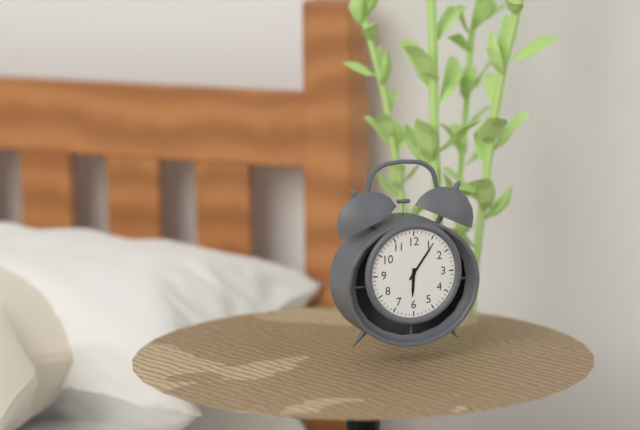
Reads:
h=6 m=6
